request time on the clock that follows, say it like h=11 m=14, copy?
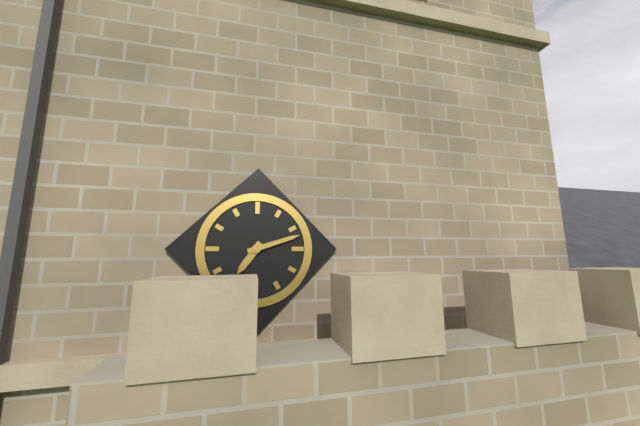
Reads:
h=7 m=12
